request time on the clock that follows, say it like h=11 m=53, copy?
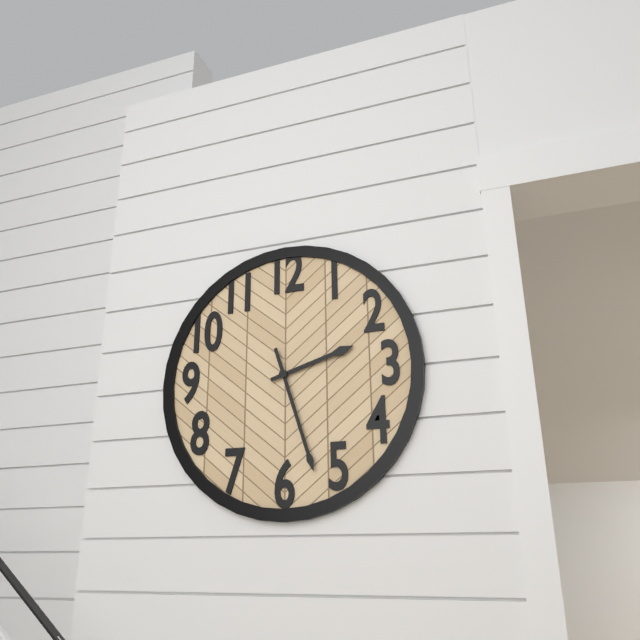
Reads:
h=2 m=27
